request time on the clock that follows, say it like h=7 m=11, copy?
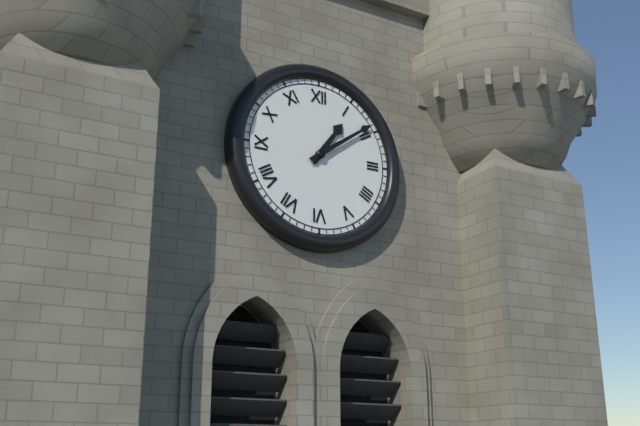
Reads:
h=1 m=9
